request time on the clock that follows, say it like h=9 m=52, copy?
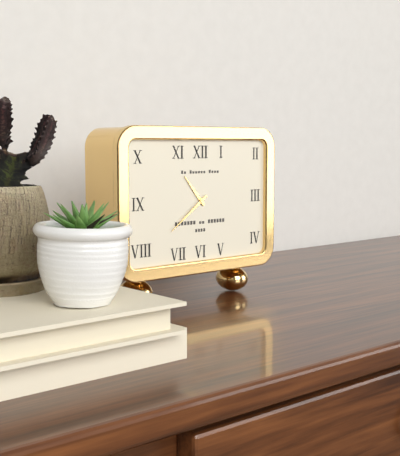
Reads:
h=10 m=39
